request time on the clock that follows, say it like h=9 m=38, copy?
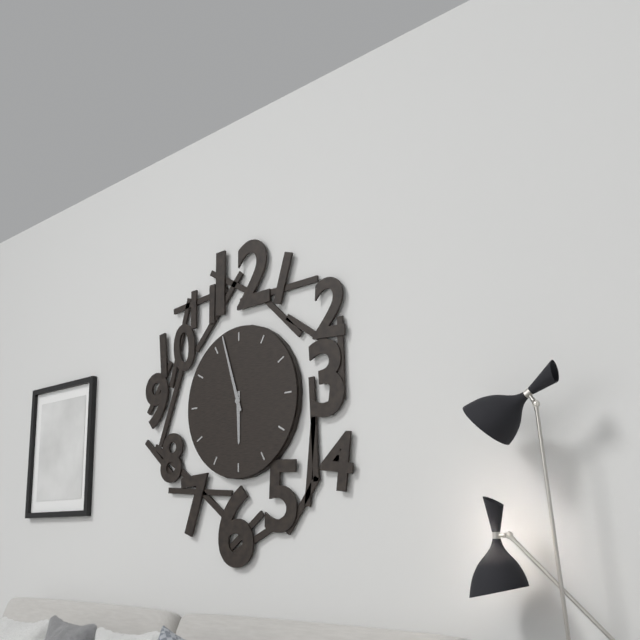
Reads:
h=5 m=57
